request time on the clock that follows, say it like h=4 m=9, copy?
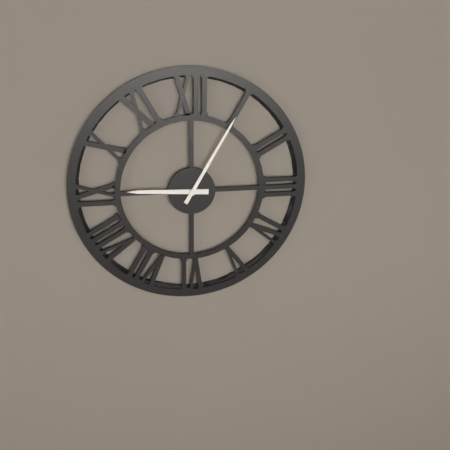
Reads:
h=9 m=5
